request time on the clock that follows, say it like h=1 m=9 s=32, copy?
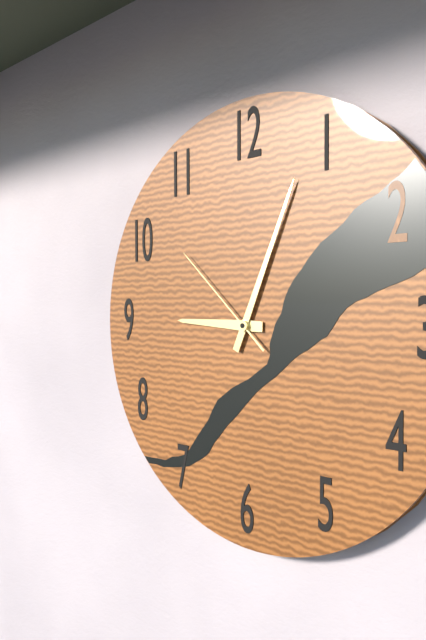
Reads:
h=9 m=4 s=52
